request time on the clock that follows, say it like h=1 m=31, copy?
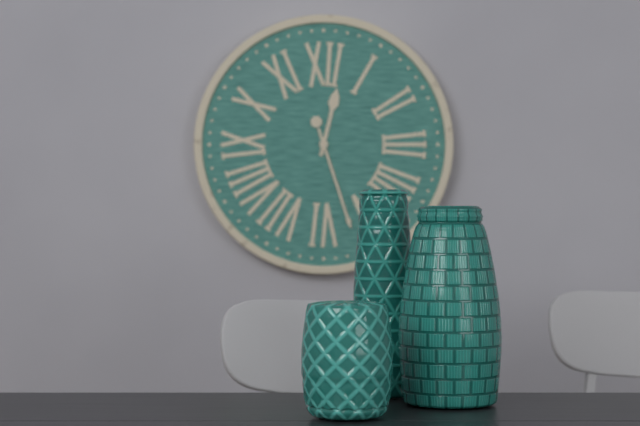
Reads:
h=12 m=27
